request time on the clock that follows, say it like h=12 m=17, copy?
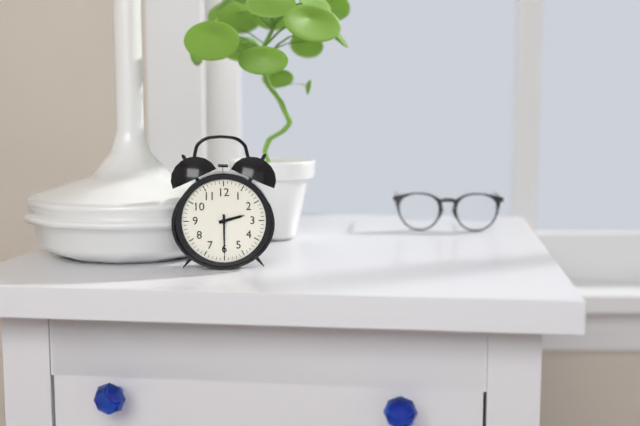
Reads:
h=2 m=30
